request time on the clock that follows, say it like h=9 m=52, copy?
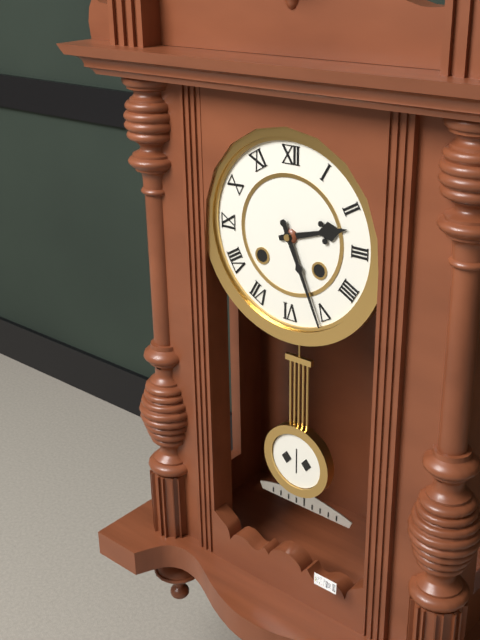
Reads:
h=2 m=26
